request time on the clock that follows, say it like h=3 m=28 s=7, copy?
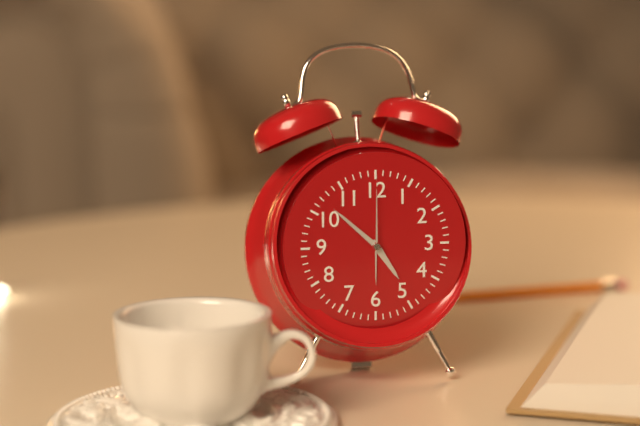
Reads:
h=4 m=52 s=0
